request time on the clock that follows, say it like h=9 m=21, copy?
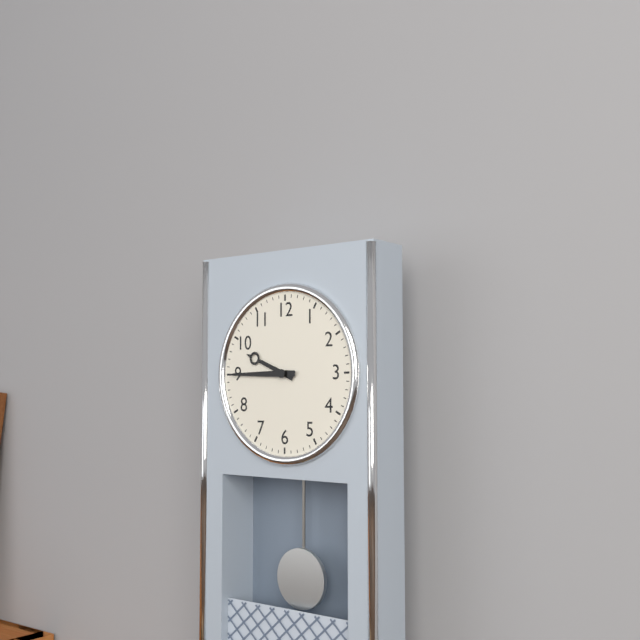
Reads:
h=9 m=45
